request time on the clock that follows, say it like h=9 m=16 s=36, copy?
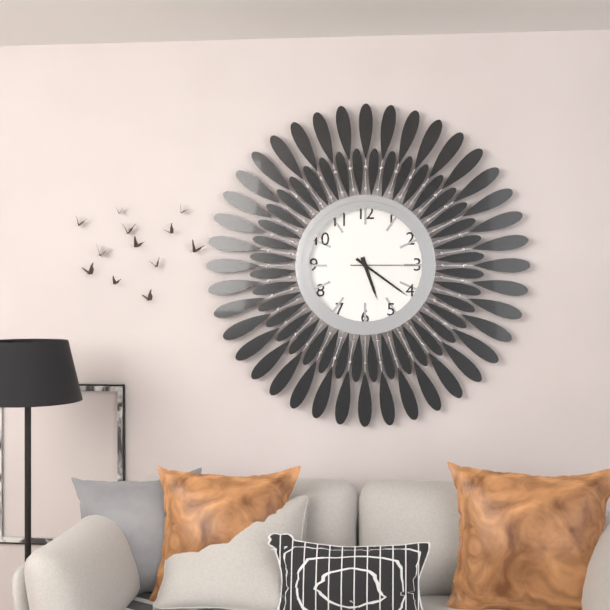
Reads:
h=5 m=21 s=15
